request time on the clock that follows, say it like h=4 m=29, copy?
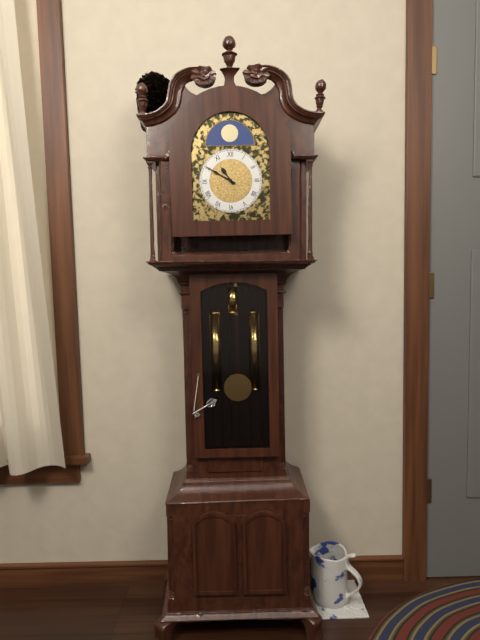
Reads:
h=10 m=50
